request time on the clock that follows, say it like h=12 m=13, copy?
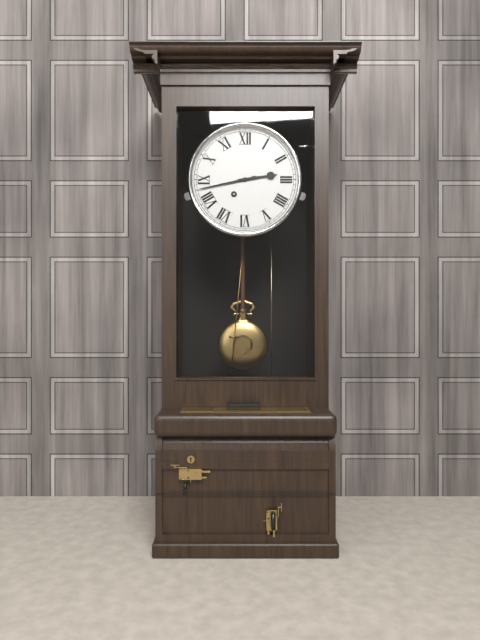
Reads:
h=2 m=43
